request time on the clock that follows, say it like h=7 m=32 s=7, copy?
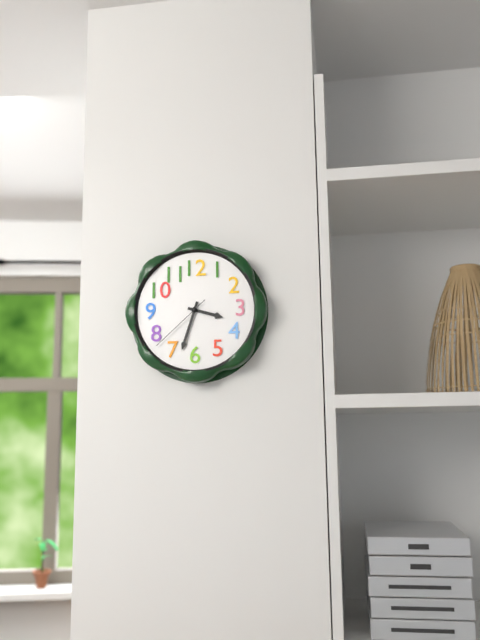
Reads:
h=3 m=33 s=38
